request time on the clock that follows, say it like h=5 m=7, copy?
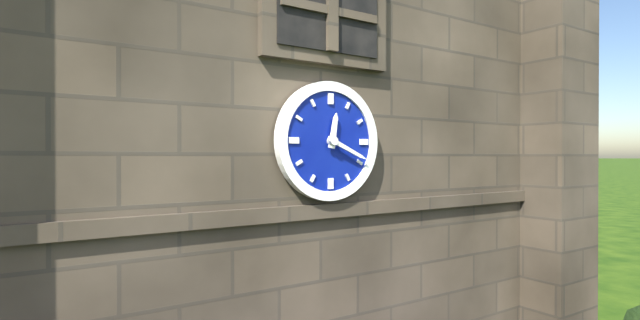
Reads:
h=12 m=19
